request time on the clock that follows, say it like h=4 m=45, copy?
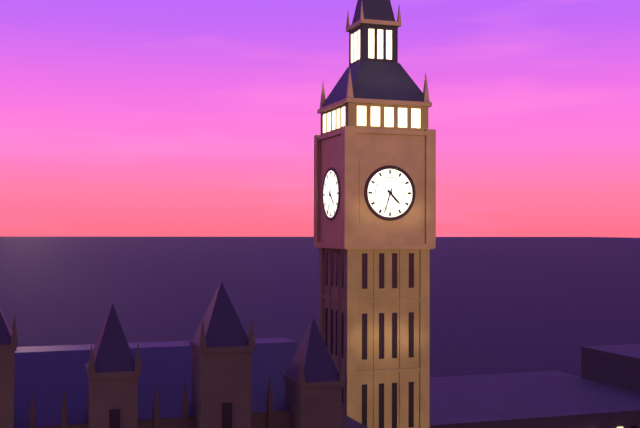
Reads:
h=4 m=33
